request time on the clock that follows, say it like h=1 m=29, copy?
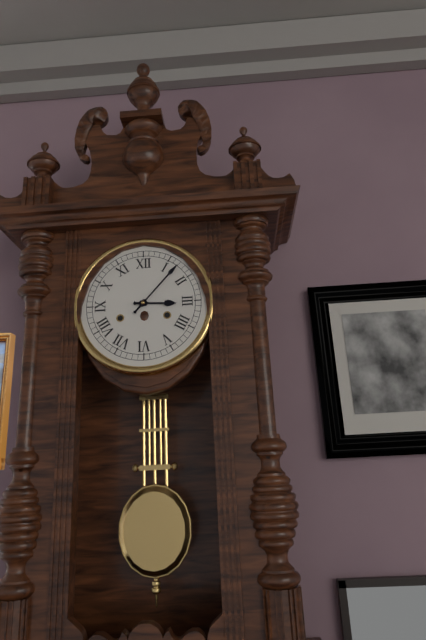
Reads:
h=3 m=7
